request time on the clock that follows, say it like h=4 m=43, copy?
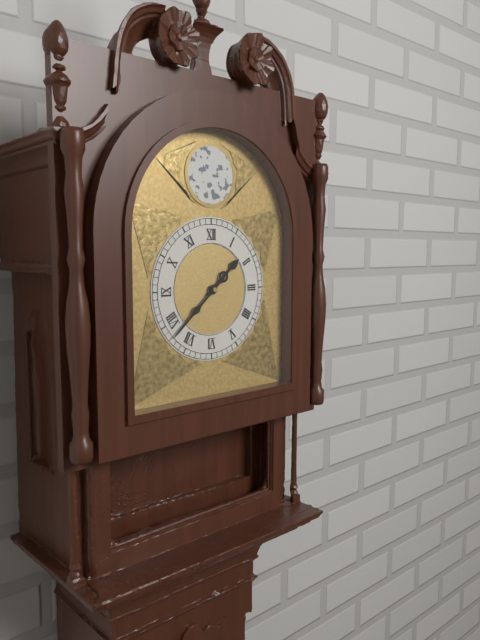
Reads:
h=1 m=38
